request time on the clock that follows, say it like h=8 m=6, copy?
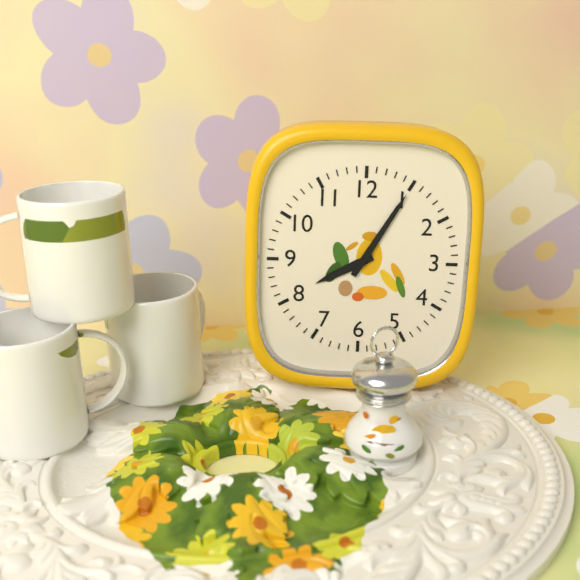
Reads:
h=8 m=5
